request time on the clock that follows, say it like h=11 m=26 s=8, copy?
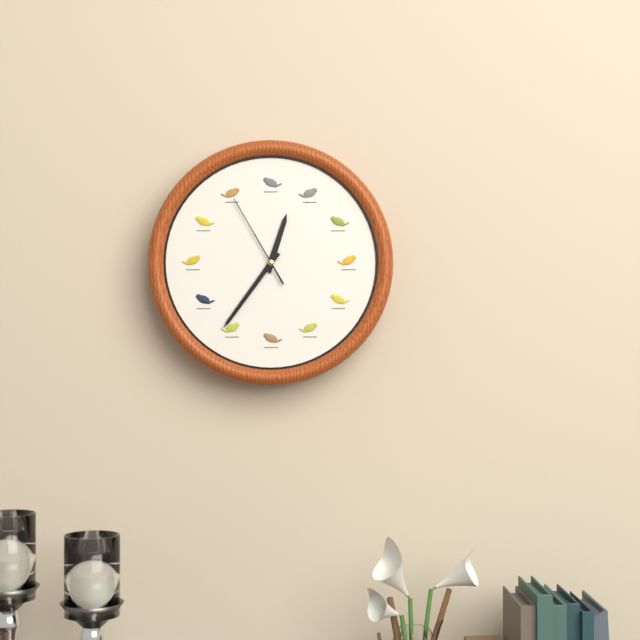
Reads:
h=12 m=36 s=55
